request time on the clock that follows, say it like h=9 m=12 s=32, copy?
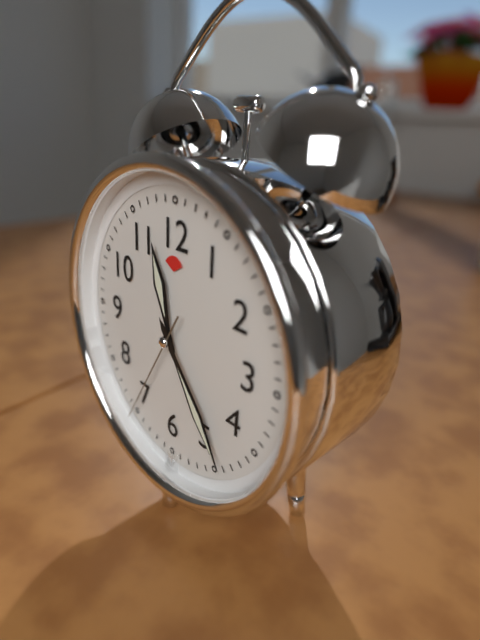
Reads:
h=11 m=24 s=35
